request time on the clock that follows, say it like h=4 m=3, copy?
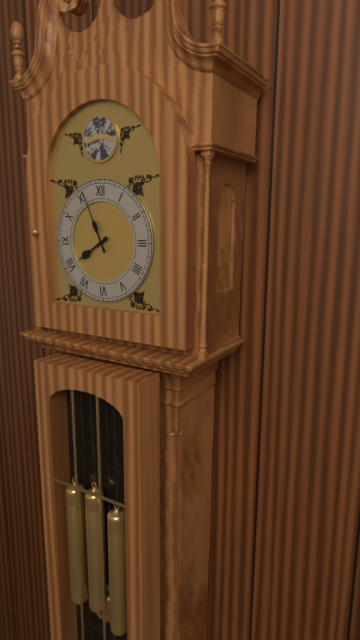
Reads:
h=7 m=56
